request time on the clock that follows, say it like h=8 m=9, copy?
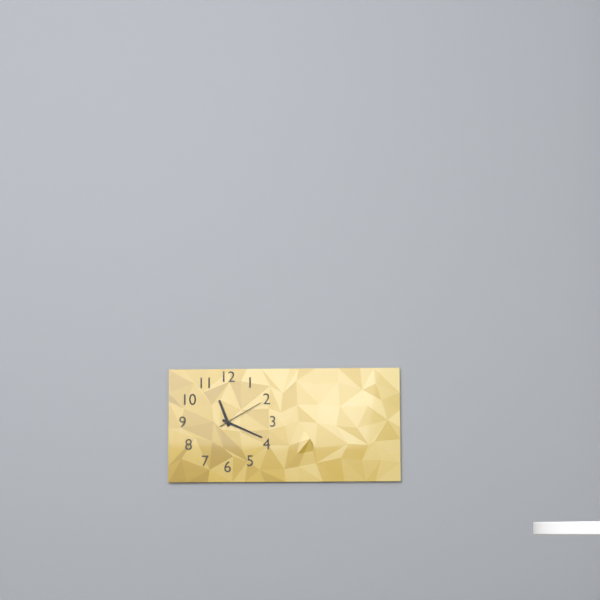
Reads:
h=11 m=19
